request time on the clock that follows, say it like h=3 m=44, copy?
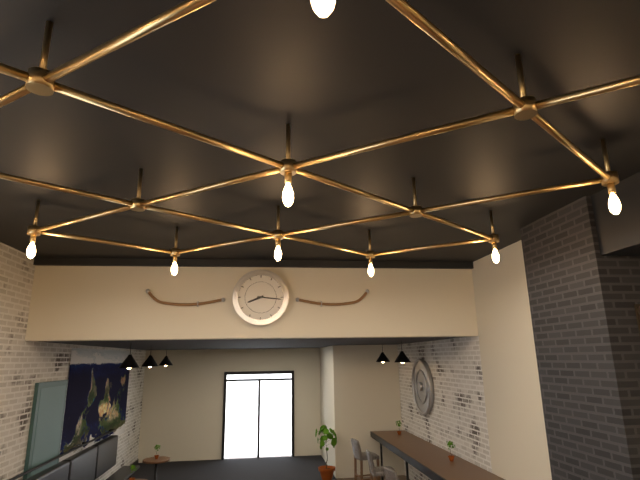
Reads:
h=8 m=16
